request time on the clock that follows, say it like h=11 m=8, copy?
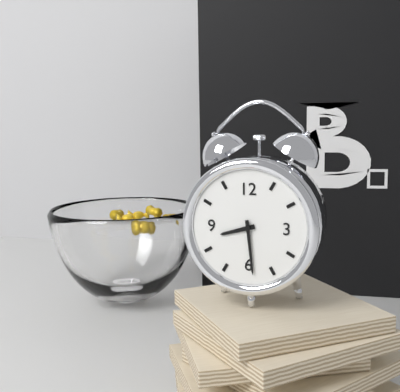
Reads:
h=8 m=29
